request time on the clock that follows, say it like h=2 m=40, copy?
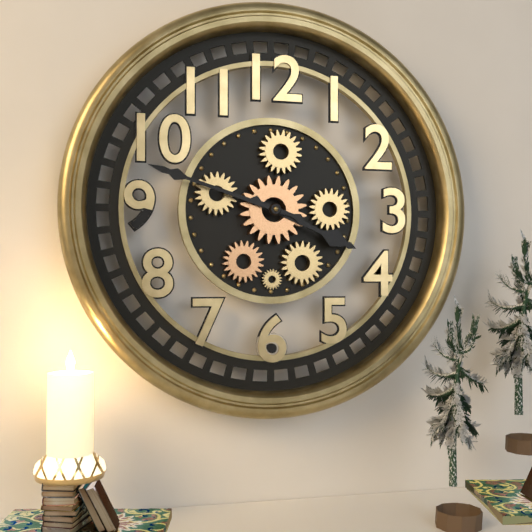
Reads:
h=3 m=48
